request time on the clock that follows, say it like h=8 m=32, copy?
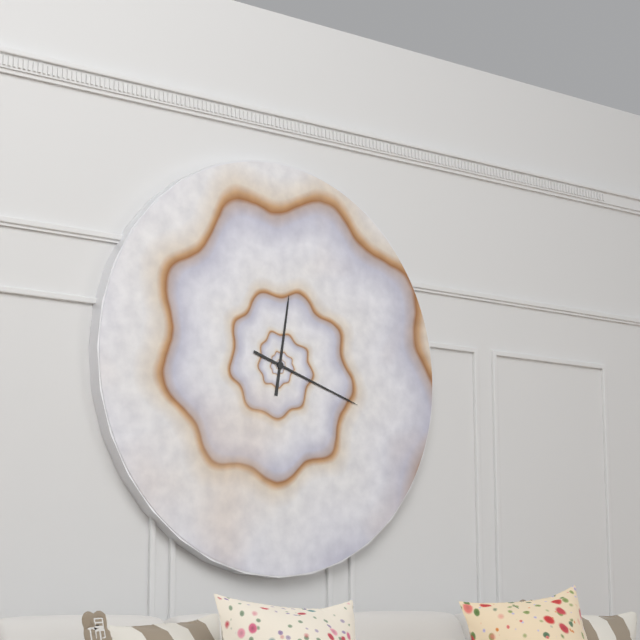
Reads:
h=12 m=18
